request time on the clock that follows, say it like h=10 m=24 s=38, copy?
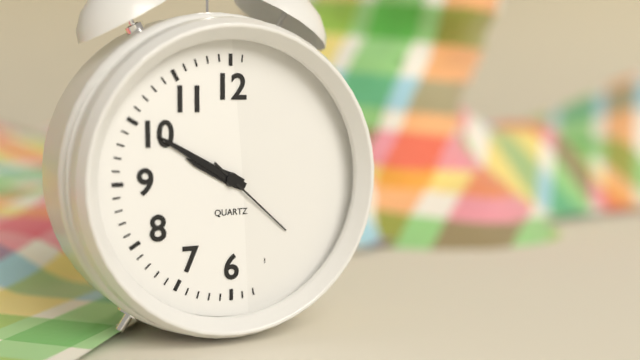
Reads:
h=9 m=50 s=22
